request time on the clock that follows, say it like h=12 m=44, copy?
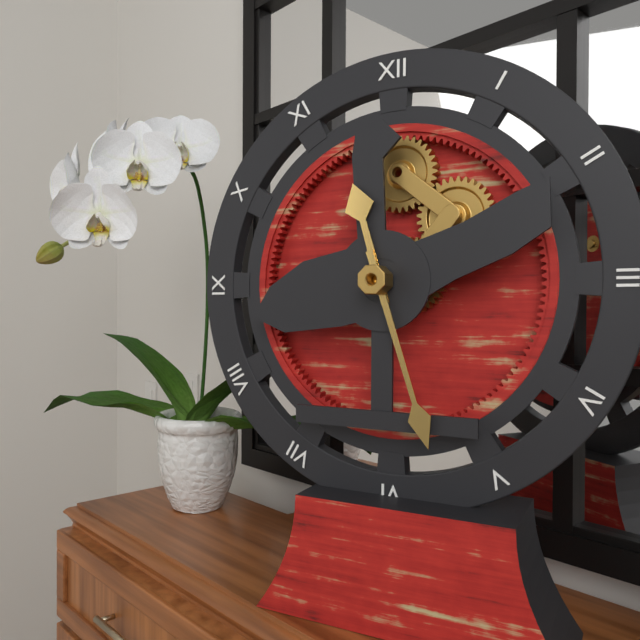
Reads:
h=11 m=27
